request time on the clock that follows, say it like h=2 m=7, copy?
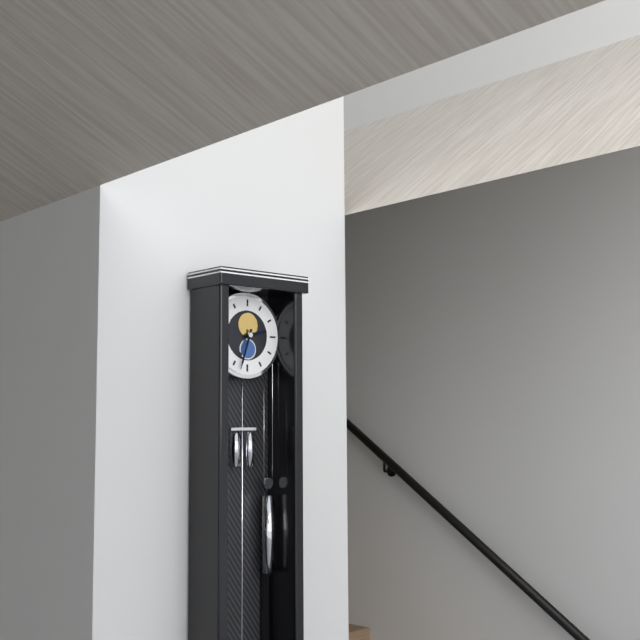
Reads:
h=2 m=33
